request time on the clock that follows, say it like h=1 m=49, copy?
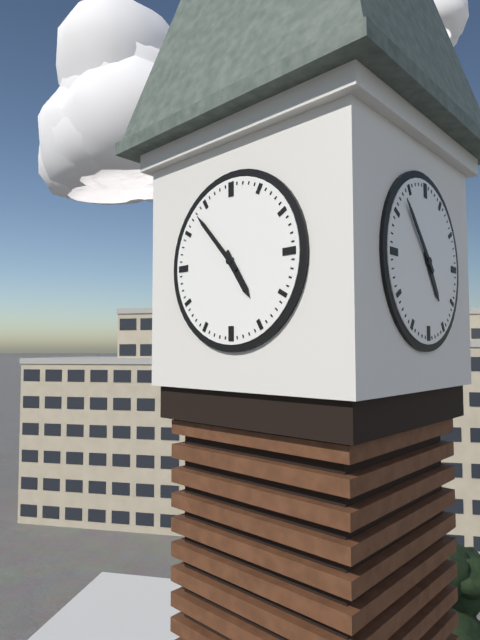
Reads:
h=4 m=53
